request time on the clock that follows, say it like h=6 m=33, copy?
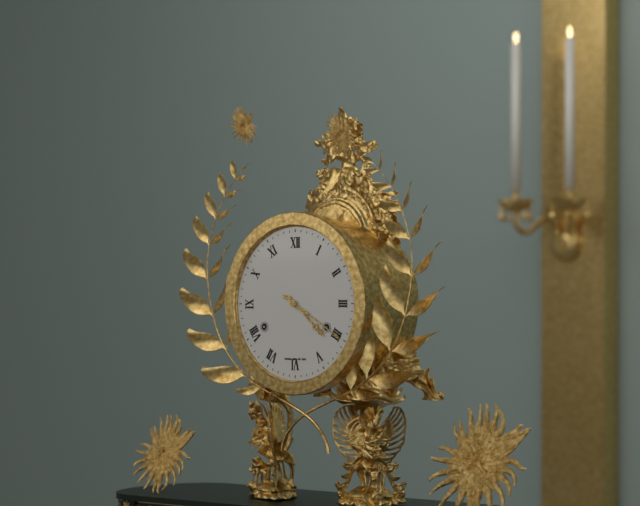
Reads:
h=4 m=20
